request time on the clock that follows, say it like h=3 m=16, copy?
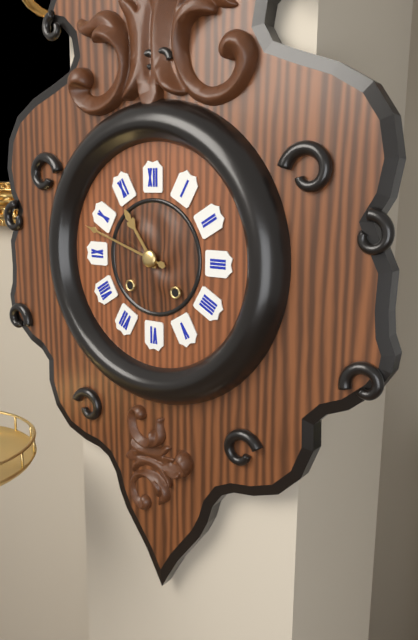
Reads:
h=10 m=48
